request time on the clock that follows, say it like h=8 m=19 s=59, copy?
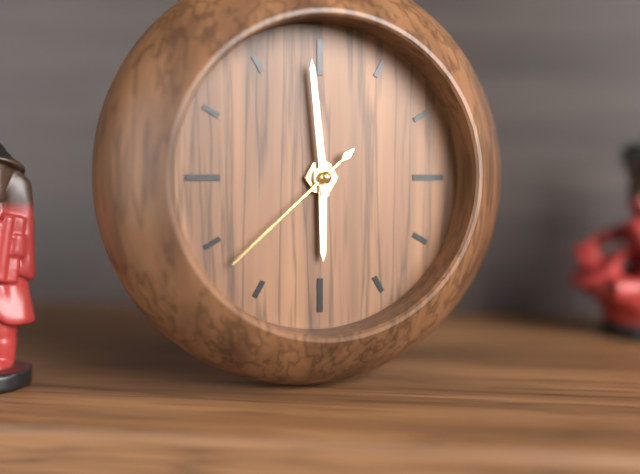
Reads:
h=5 m=59 s=38
